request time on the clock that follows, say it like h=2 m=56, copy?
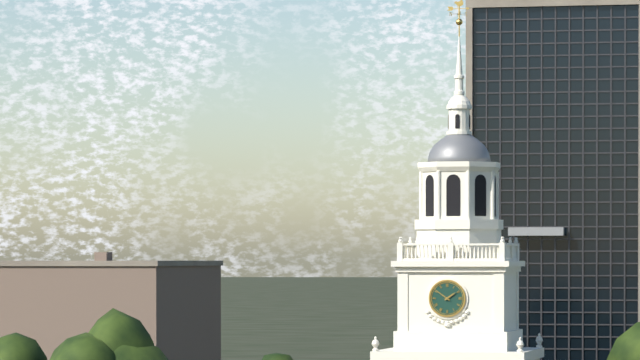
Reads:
h=1 m=51
